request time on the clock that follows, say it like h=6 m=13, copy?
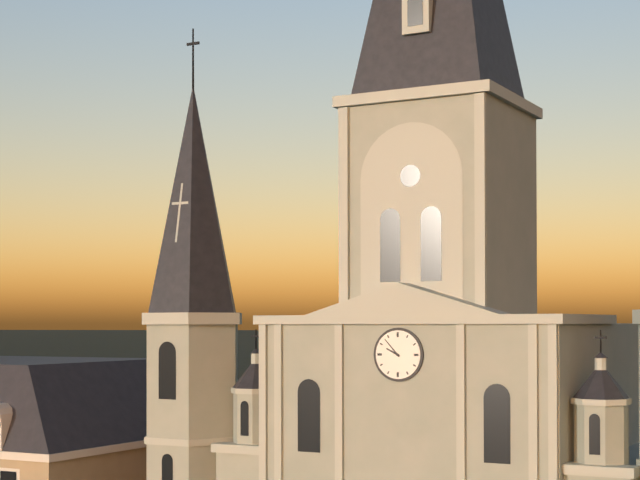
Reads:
h=9 m=53
